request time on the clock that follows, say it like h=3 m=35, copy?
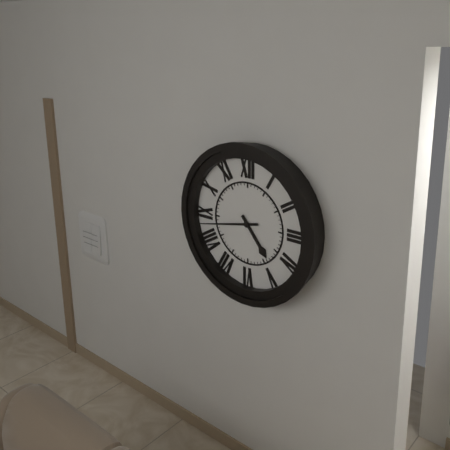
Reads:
h=4 m=43
